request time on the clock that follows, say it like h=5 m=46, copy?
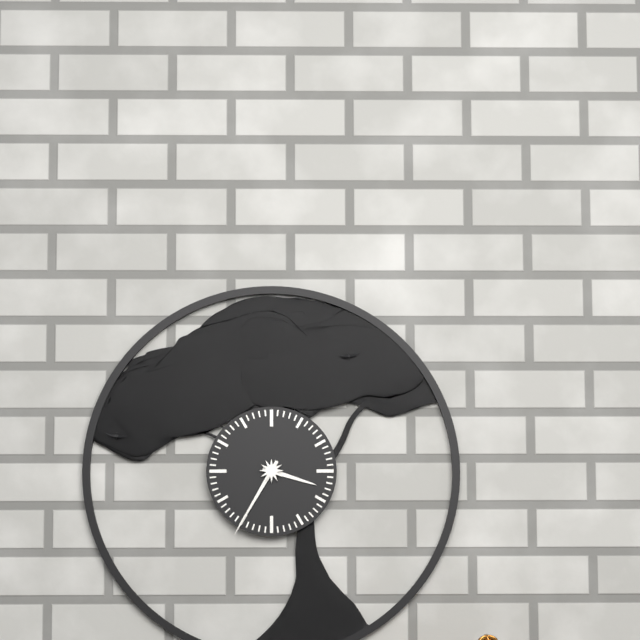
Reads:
h=3 m=35
